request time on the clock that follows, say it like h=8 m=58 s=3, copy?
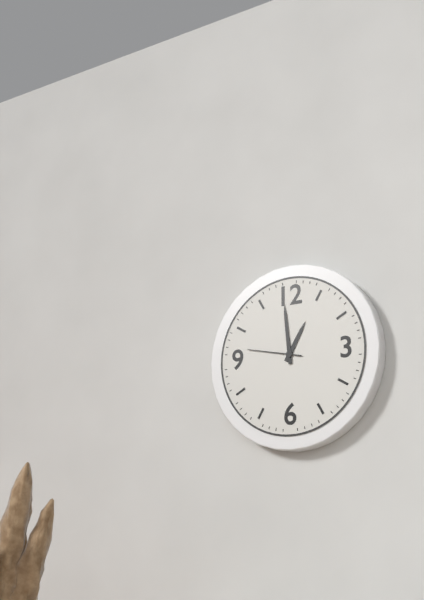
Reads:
h=12 m=59 s=47
